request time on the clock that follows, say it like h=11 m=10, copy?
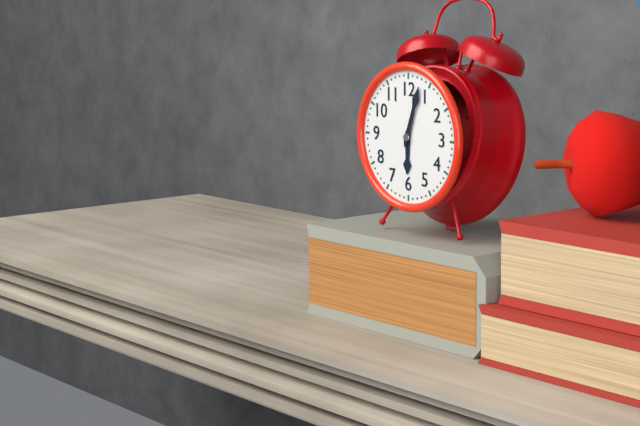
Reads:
h=6 m=3
